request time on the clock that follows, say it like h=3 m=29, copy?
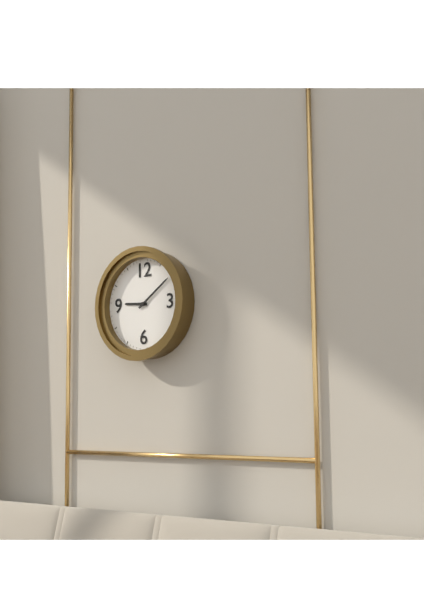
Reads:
h=9 m=9
